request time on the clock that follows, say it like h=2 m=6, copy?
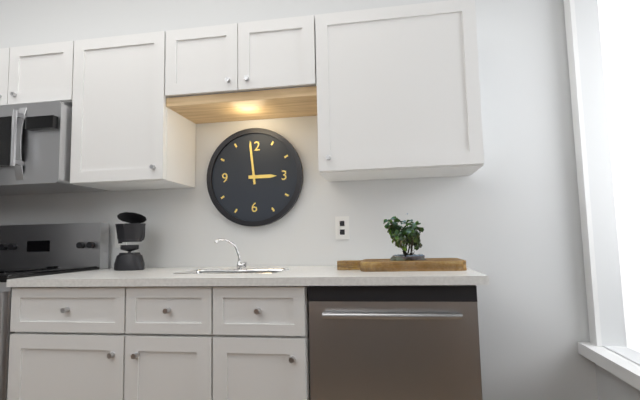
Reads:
h=2 m=59
